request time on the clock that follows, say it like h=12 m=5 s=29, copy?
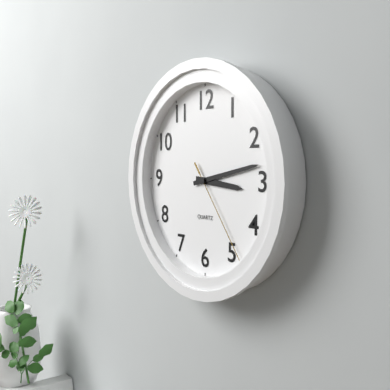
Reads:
h=3 m=13 s=24
